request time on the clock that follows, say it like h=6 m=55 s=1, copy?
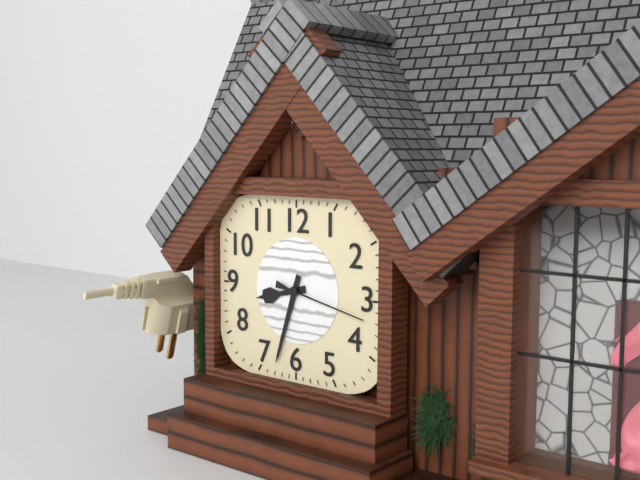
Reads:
h=8 m=33 s=17
